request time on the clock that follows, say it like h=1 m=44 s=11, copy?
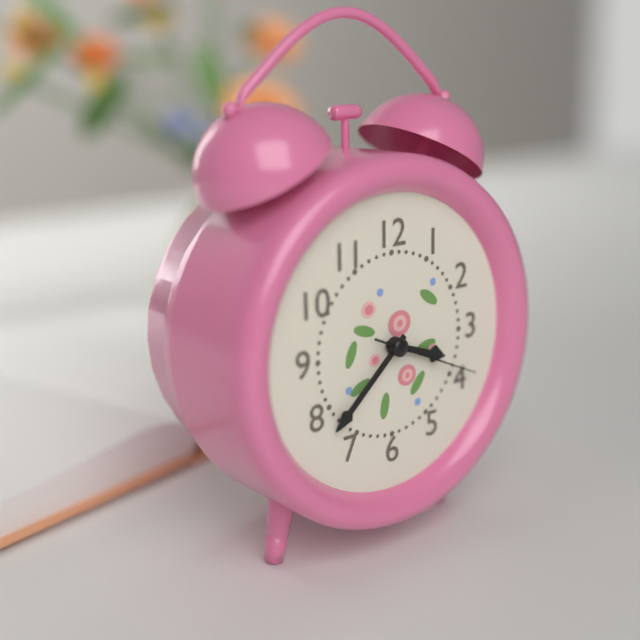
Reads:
h=3 m=38 s=19
